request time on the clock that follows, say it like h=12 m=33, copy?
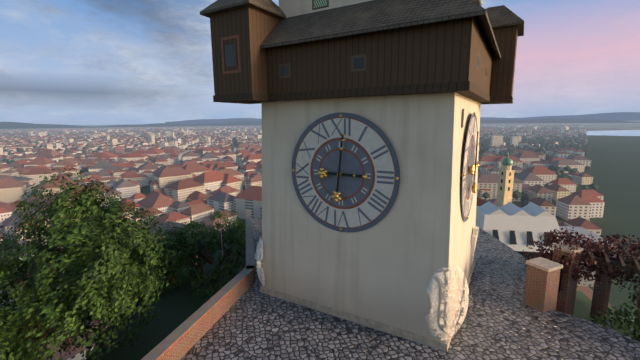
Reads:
h=3 m=1
